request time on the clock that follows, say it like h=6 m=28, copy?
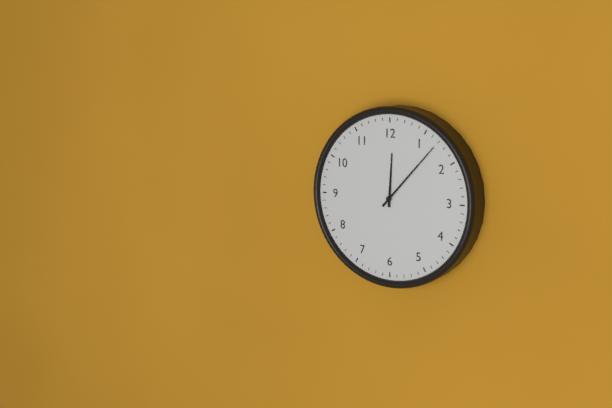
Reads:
h=12 m=7
